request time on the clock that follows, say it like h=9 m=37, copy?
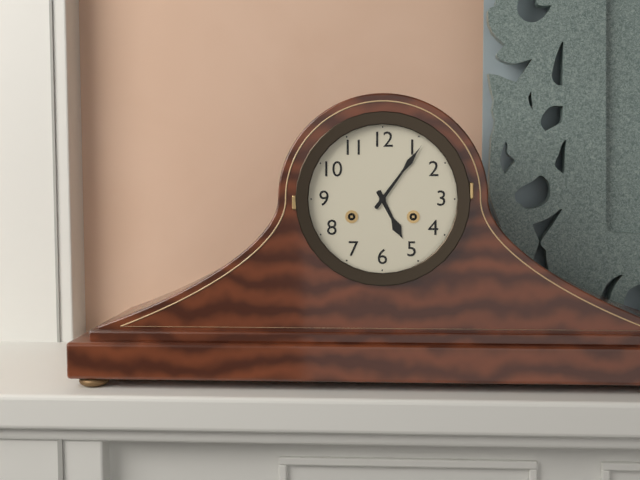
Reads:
h=5 m=6
